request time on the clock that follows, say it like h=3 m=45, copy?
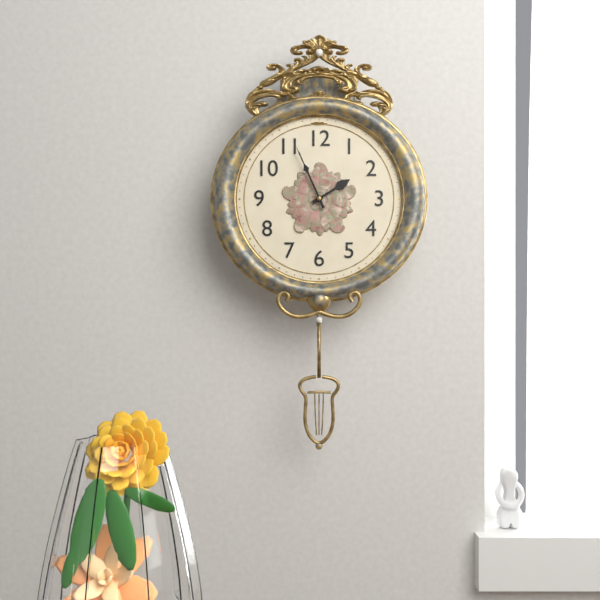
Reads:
h=1 m=56
